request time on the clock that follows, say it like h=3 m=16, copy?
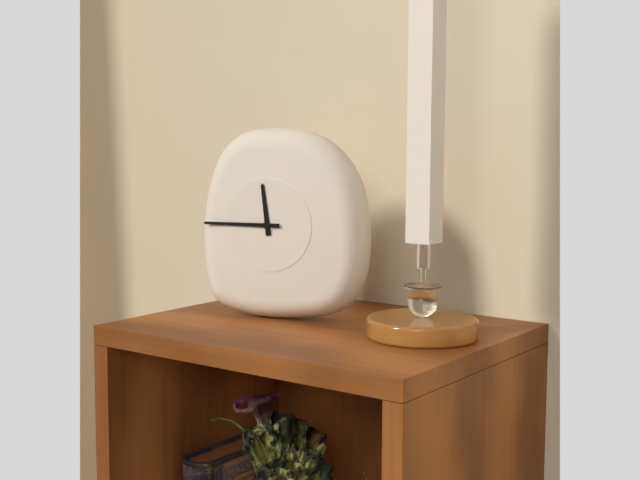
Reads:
h=11 m=45
